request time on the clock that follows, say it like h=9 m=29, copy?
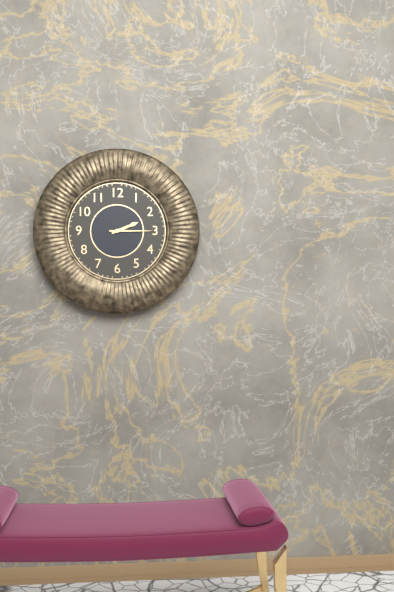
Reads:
h=2 m=15
